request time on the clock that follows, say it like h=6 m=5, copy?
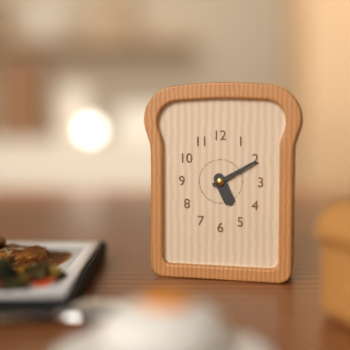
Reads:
h=5 m=10
